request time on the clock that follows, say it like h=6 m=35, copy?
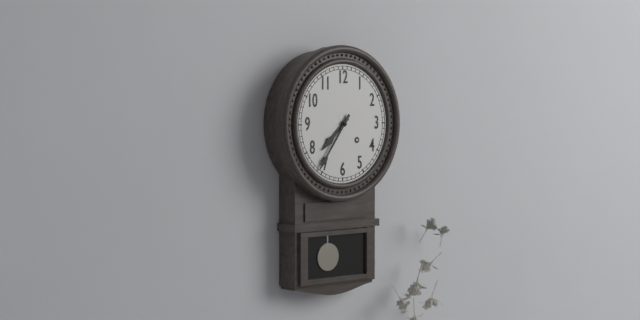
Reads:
h=7 m=36
